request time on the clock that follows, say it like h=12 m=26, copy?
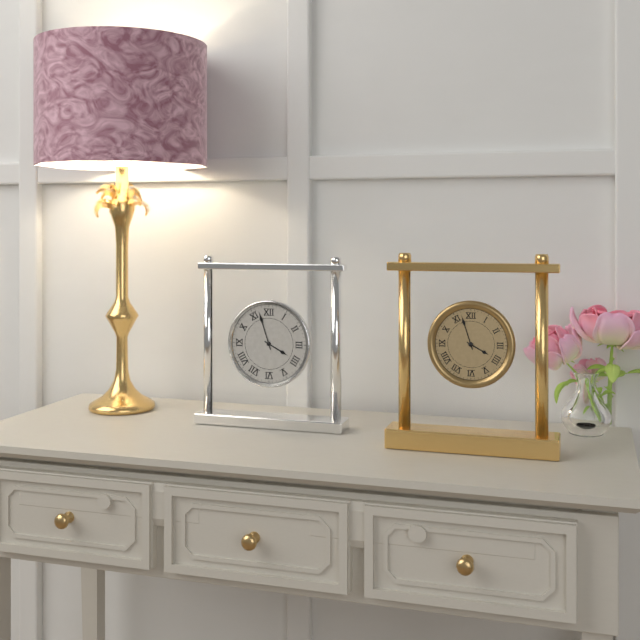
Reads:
h=3 m=57
